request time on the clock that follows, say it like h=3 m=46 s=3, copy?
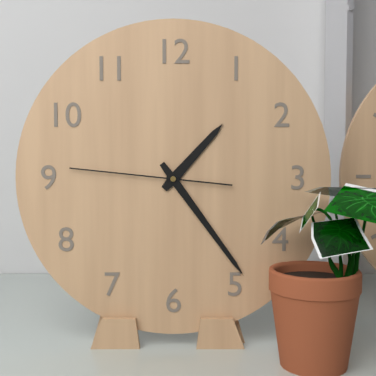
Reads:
h=1 m=24 s=46
